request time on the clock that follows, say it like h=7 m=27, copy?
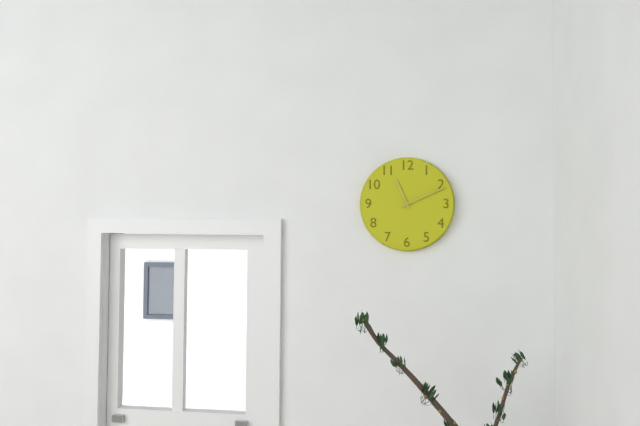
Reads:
h=11 m=11
